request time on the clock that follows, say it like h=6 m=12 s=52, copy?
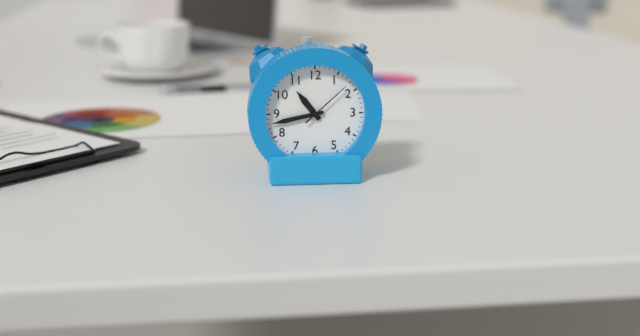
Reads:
h=10 m=43 s=8
